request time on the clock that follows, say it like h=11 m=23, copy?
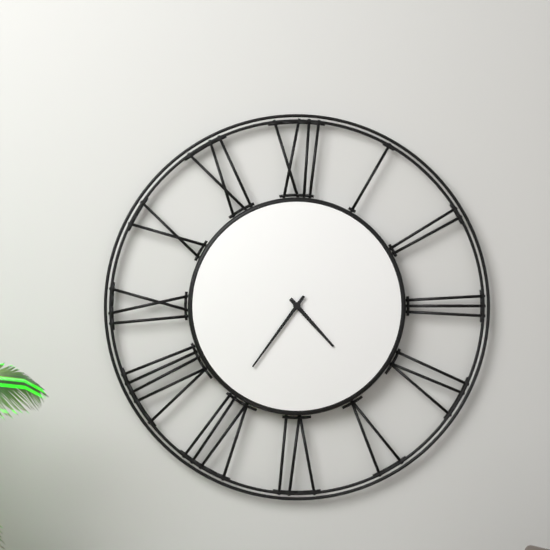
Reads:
h=4 m=36
